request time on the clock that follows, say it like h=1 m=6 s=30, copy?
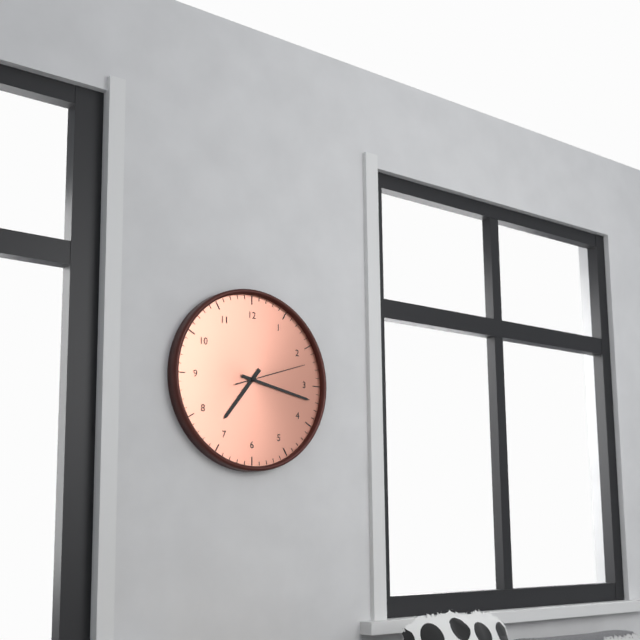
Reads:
h=7 m=17 s=12
